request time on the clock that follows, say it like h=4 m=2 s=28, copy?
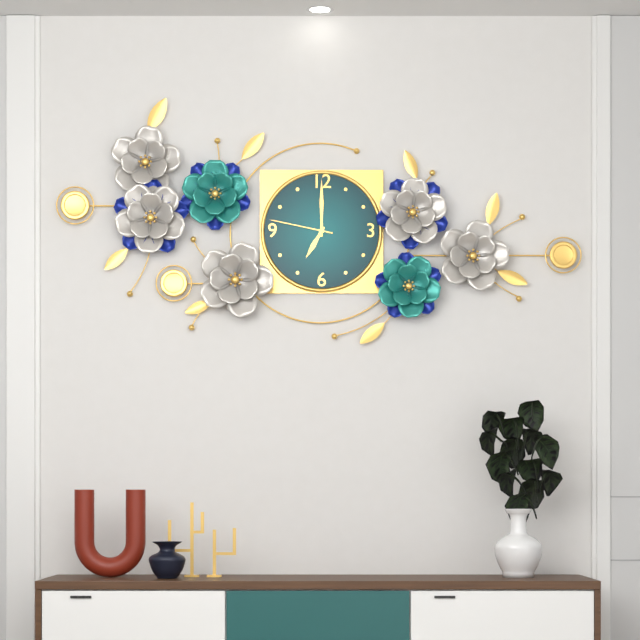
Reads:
h=7 m=0 s=47
